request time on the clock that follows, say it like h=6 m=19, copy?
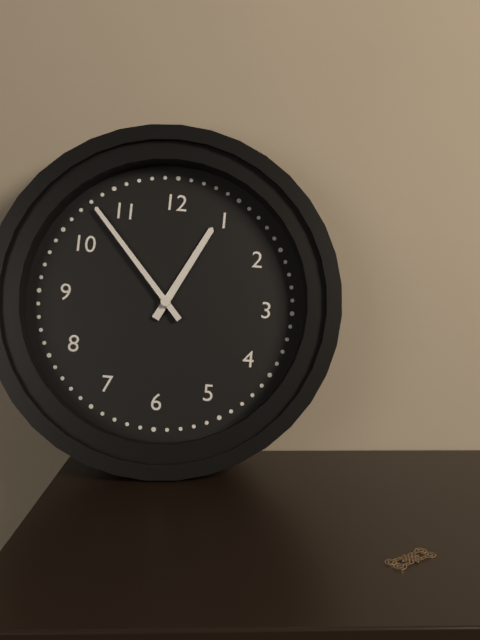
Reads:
h=12 m=53
